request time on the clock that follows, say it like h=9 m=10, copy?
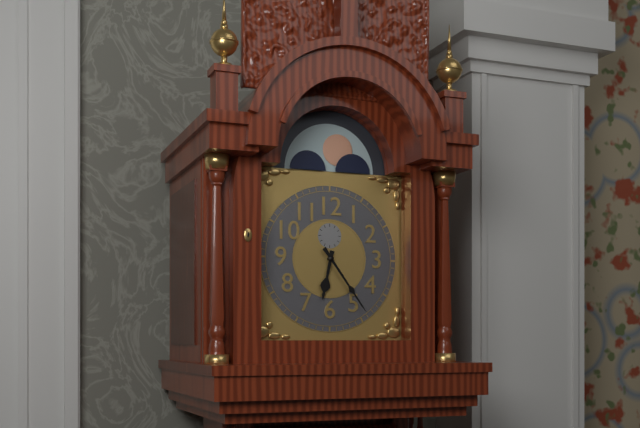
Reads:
h=6 m=24
